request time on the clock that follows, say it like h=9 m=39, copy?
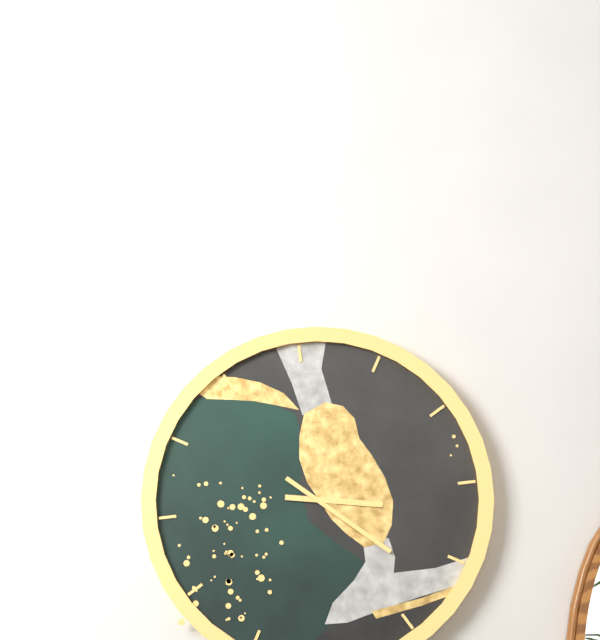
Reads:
h=3 m=22
